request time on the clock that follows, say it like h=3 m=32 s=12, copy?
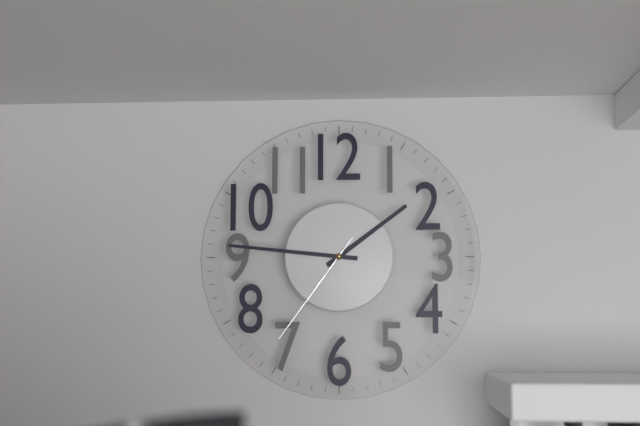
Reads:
h=1 m=46 s=36
